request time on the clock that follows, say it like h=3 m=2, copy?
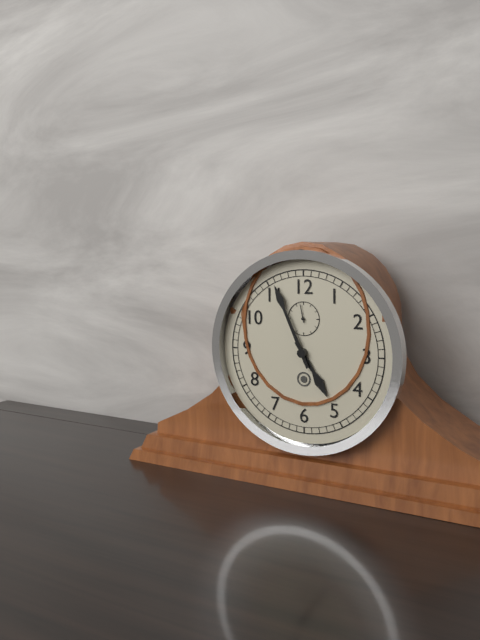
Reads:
h=4 m=56
